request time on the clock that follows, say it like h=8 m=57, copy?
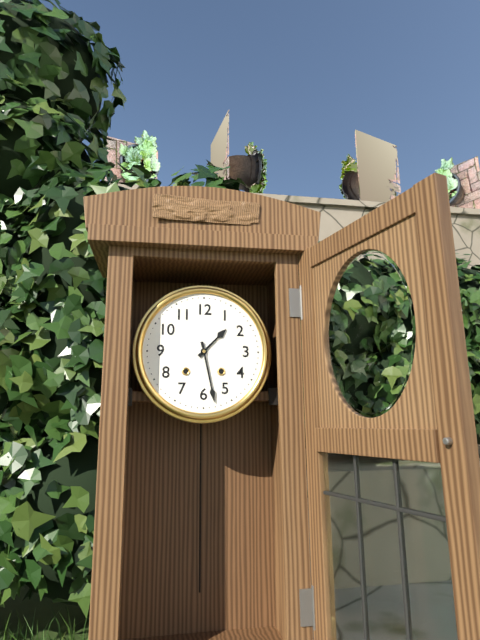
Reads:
h=1 m=28
